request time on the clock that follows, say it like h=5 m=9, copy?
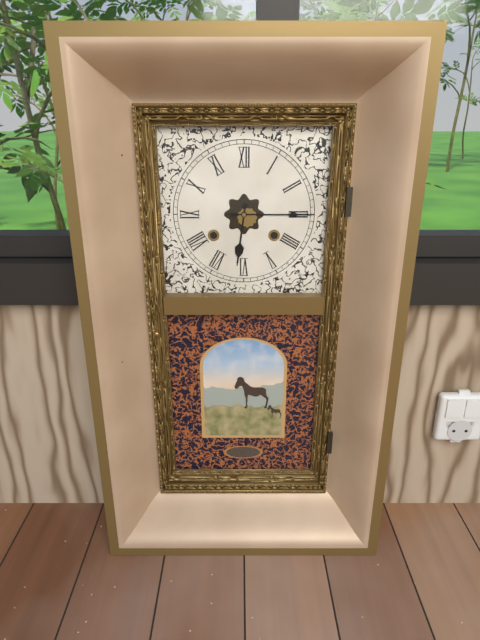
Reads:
h=6 m=15
